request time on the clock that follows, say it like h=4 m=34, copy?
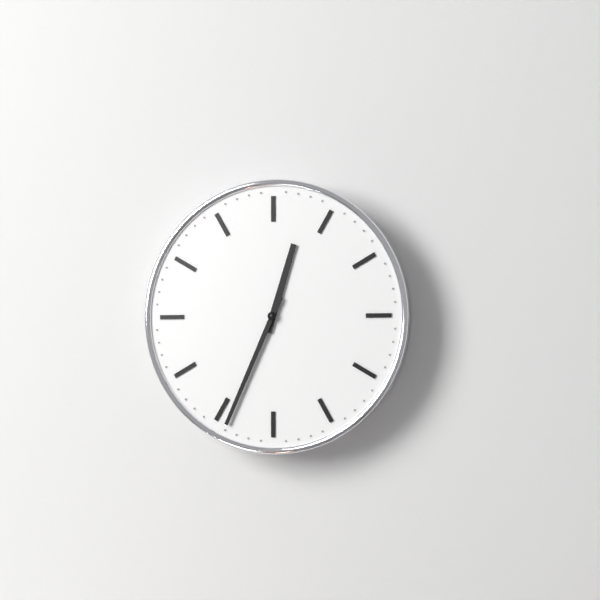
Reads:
h=12 m=34
